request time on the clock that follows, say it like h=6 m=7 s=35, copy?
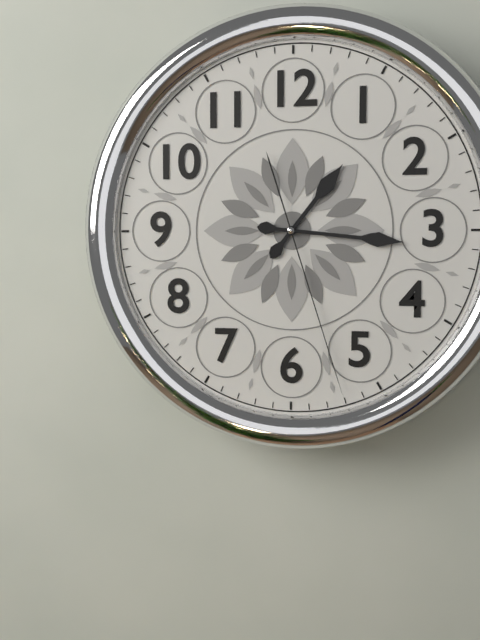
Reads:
h=1 m=16 s=27
